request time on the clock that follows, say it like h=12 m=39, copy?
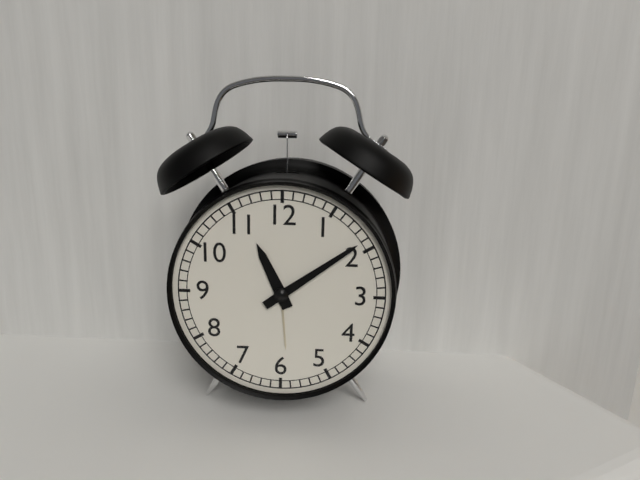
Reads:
h=11 m=9
